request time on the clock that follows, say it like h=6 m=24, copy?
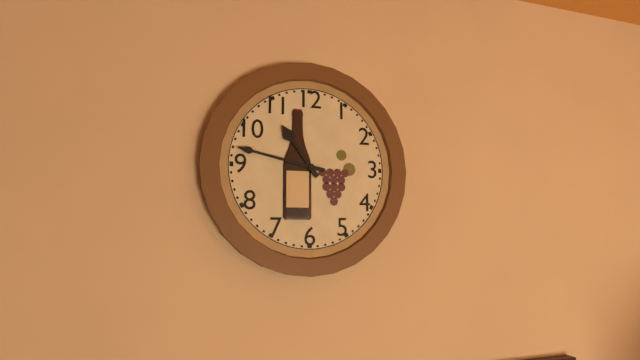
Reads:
h=10 m=47
